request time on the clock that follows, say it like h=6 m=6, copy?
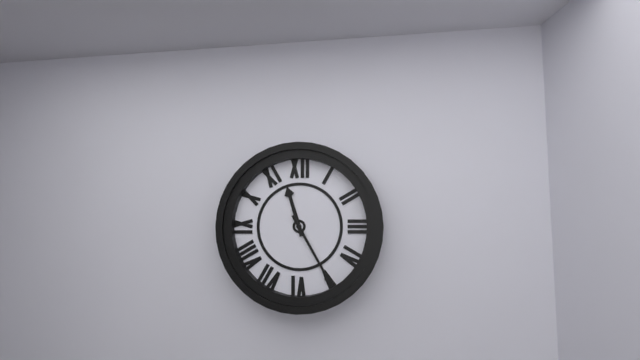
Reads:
h=11 m=25
